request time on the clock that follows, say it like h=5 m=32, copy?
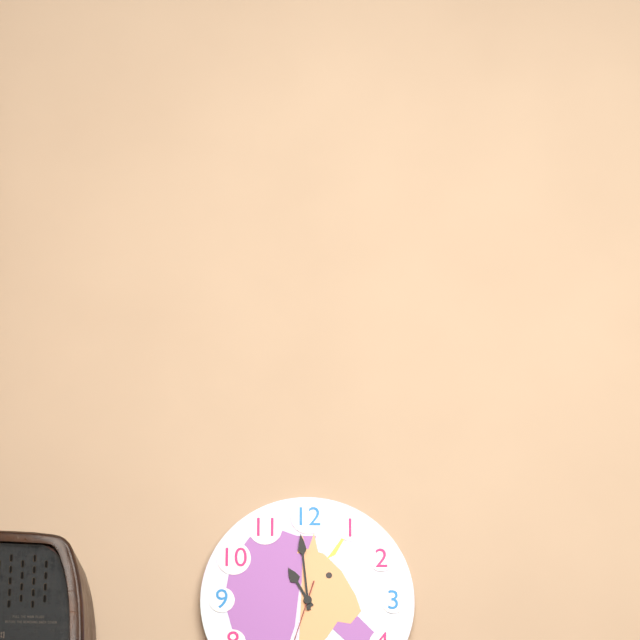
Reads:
h=10 m=59
